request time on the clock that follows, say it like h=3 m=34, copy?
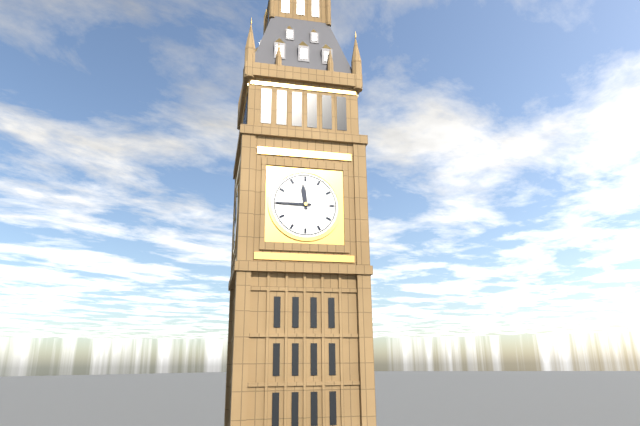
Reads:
h=11 m=45
